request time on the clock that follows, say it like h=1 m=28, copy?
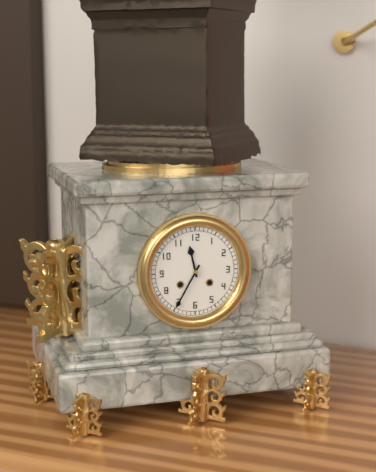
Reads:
h=11 m=35
